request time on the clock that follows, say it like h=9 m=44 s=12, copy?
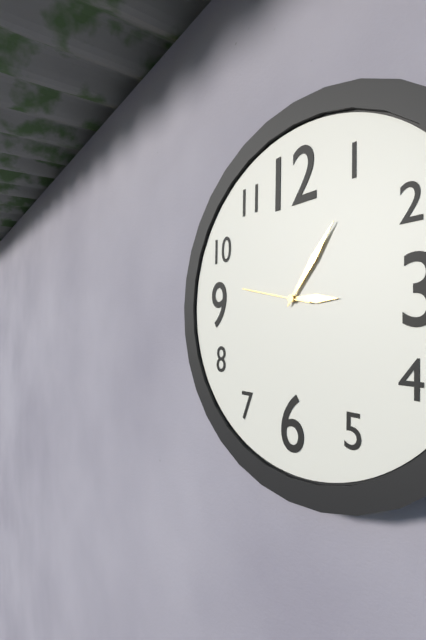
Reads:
h=3 m=6 s=47
